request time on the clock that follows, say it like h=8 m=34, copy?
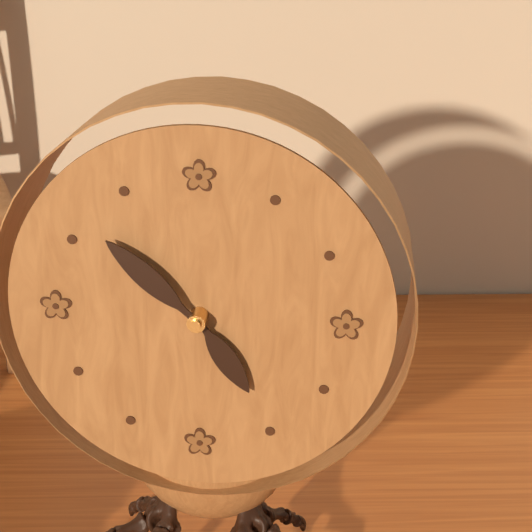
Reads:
h=4 m=52
